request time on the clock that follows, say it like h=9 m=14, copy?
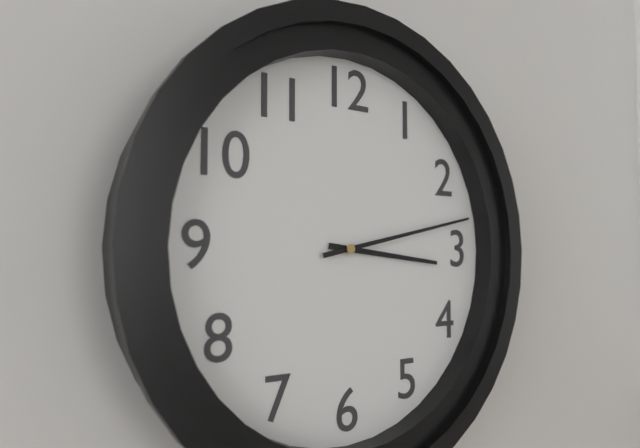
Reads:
h=3 m=13
